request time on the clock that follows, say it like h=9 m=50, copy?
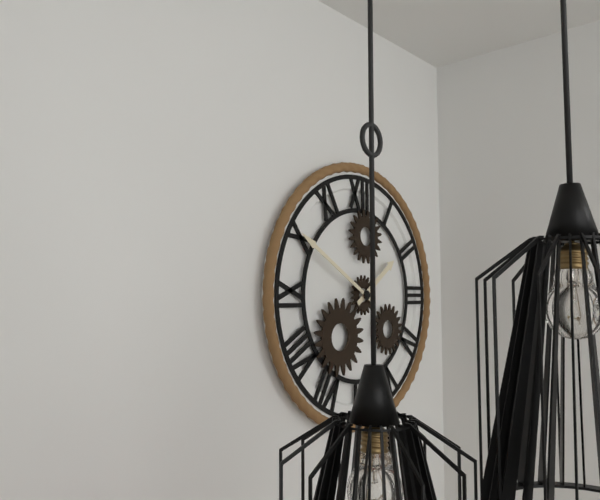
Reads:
h=1 m=50
